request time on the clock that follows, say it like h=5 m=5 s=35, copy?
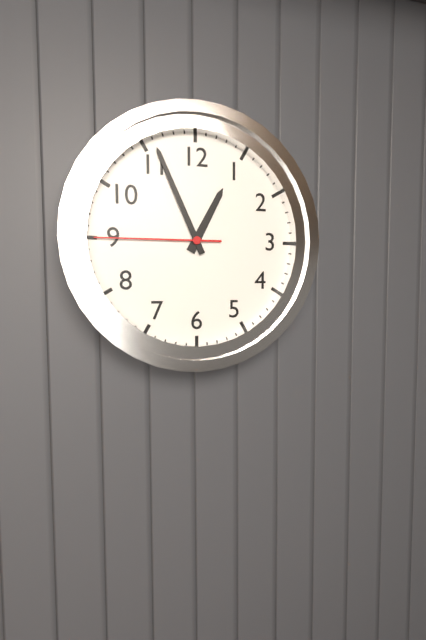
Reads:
h=12 m=56 s=45
